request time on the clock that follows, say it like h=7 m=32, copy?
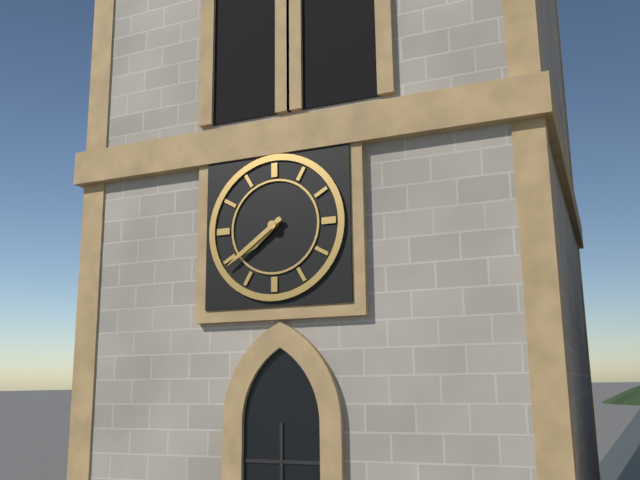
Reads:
h=7 m=39
